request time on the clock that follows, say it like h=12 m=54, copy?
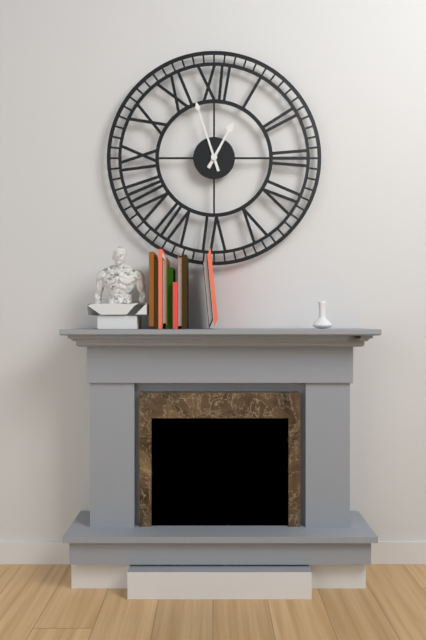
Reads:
h=12 m=57
